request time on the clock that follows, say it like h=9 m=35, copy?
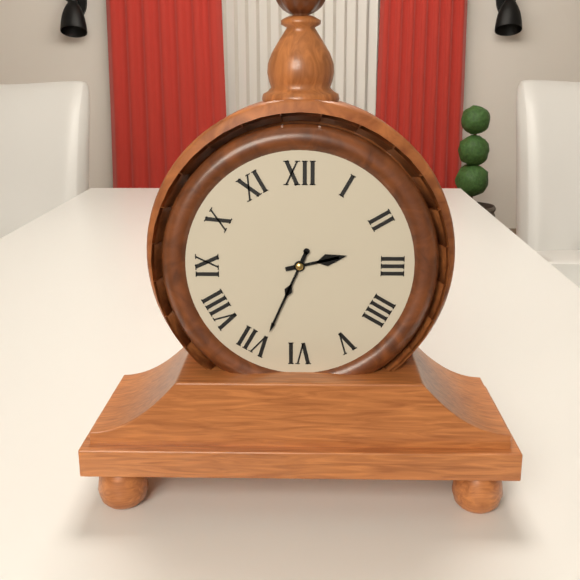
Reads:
h=2 m=34
